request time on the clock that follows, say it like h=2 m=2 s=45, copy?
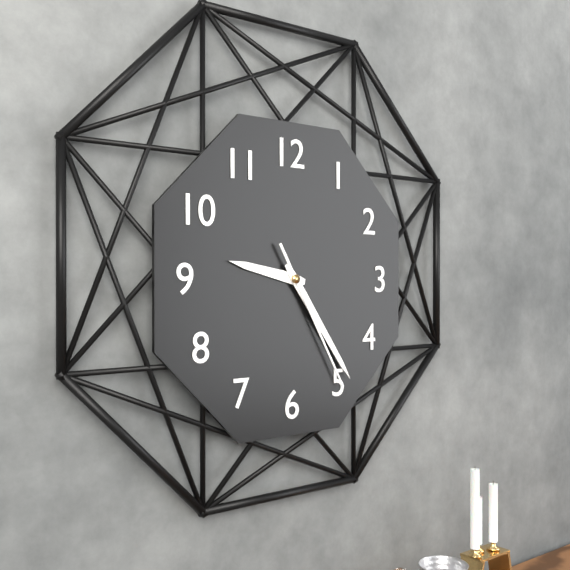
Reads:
h=9 m=24 s=25
